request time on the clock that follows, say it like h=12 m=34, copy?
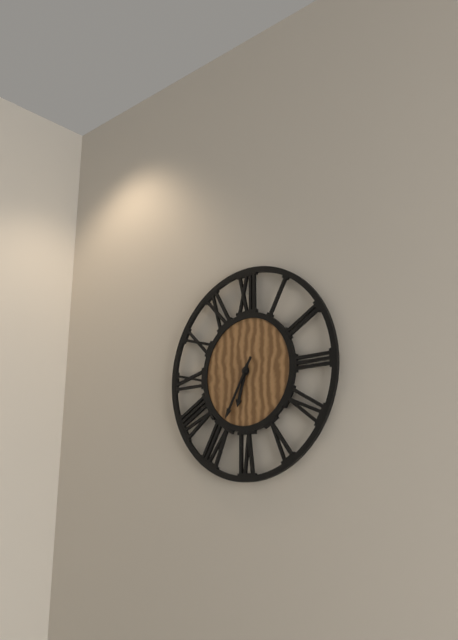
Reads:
h=6 m=35
